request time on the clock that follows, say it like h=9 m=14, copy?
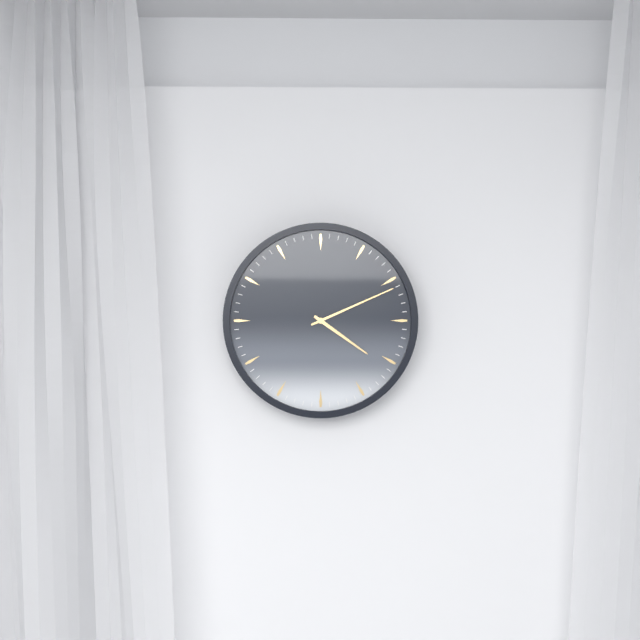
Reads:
h=4 m=11
